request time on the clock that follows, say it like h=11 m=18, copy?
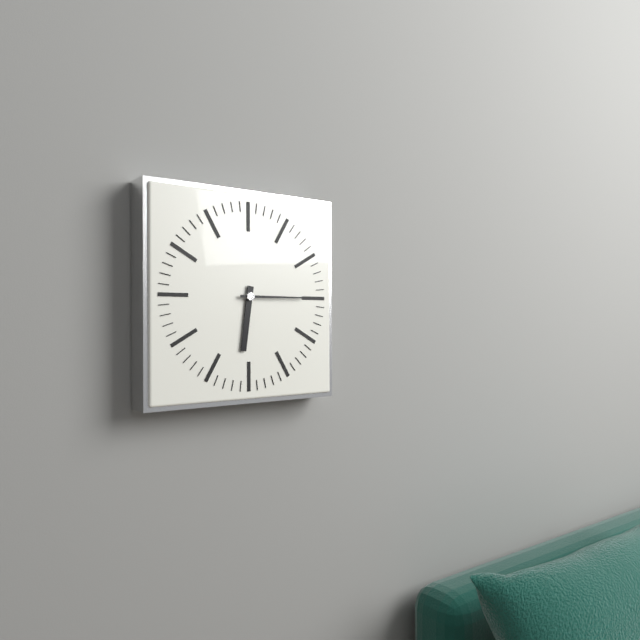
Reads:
h=6 m=15
